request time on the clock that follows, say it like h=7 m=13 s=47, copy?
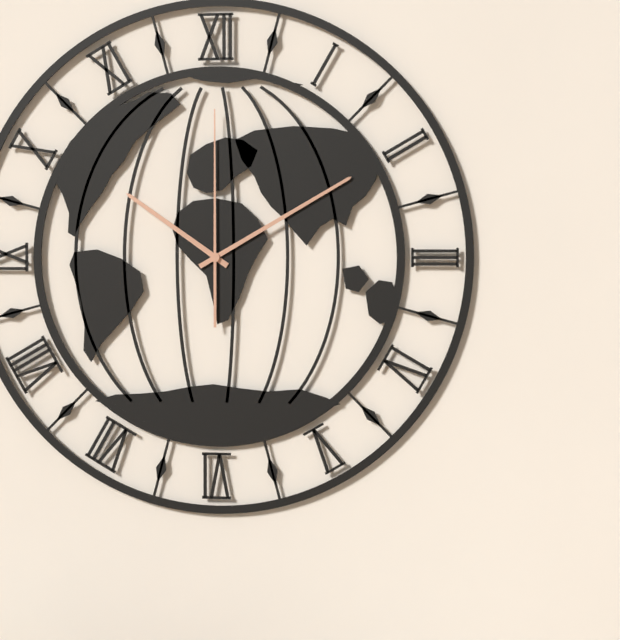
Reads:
h=10 m=10 s=0
